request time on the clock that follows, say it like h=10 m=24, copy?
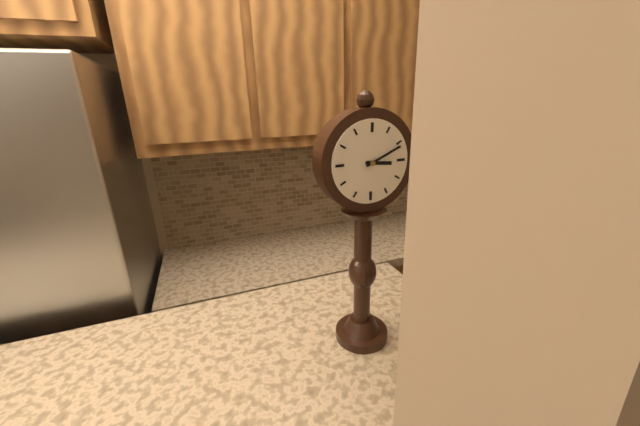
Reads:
h=3 m=11
